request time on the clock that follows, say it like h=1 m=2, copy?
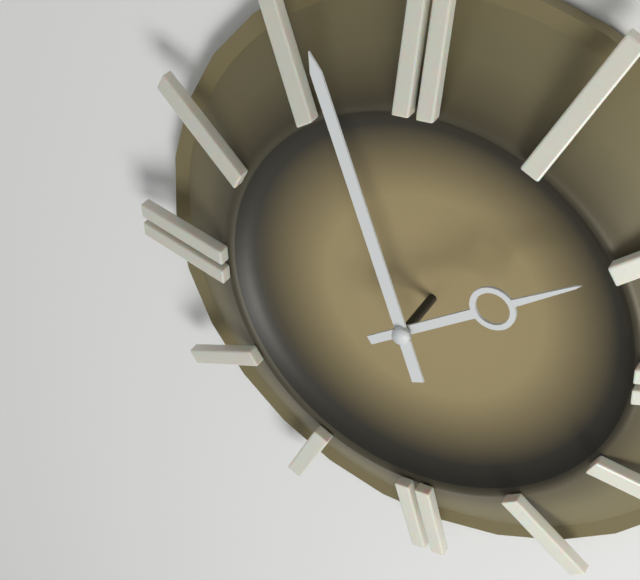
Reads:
h=1 m=57
